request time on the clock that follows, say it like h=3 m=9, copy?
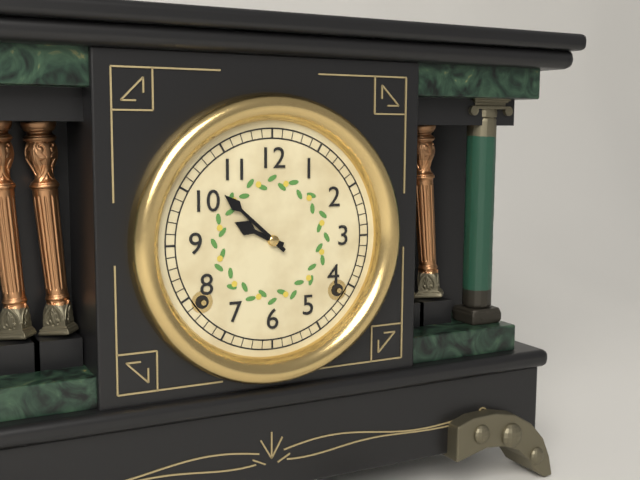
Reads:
h=9 m=52
